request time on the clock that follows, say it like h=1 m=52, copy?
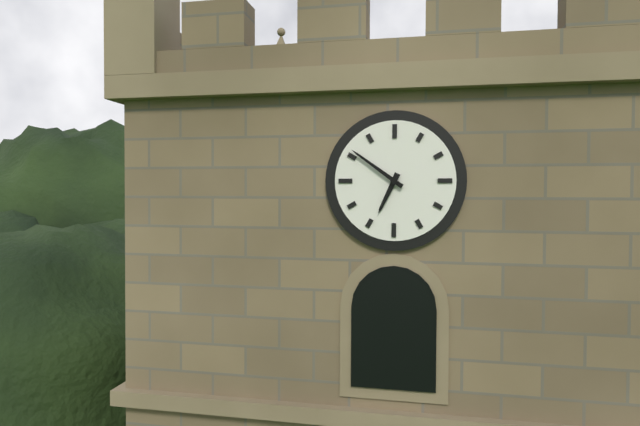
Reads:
h=6 m=51
